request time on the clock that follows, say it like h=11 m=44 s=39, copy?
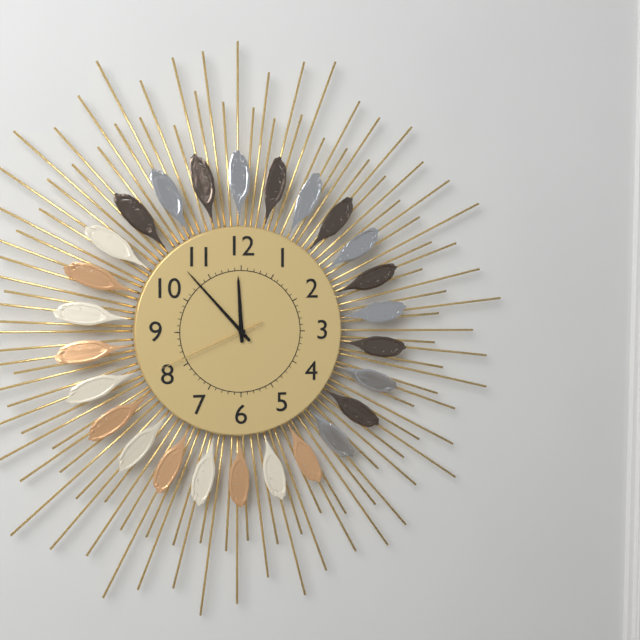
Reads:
h=11 m=53 s=41
